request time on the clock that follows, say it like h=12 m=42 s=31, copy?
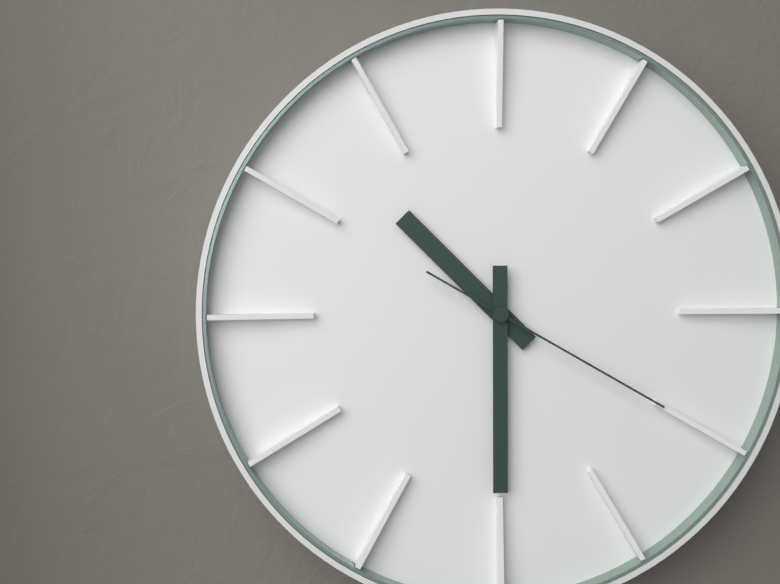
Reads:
h=10 m=30 s=20
